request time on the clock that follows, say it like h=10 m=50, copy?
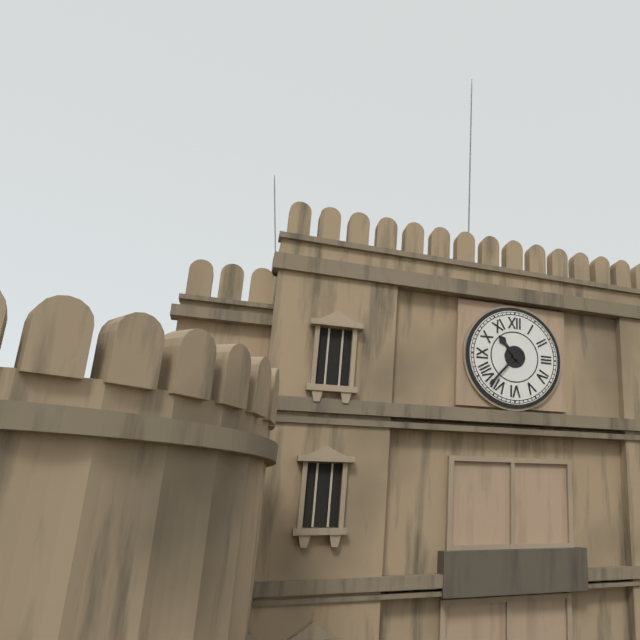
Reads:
h=10 m=37
